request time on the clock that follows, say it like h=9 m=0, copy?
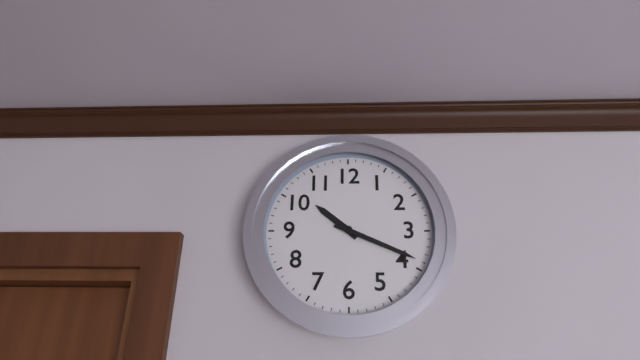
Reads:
h=10 m=19
